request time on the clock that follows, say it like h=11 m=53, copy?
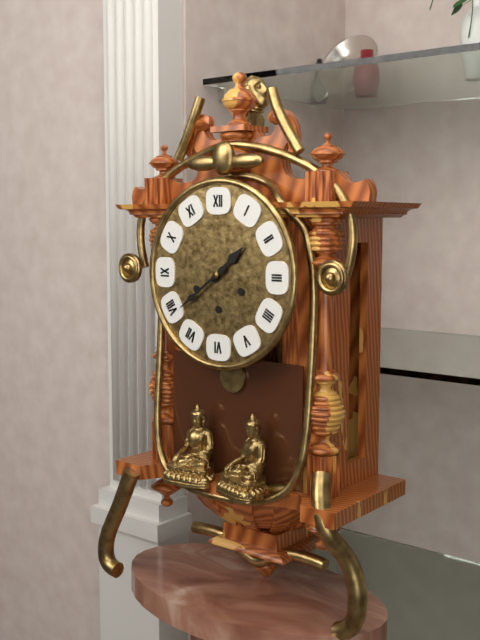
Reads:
h=1 m=39
